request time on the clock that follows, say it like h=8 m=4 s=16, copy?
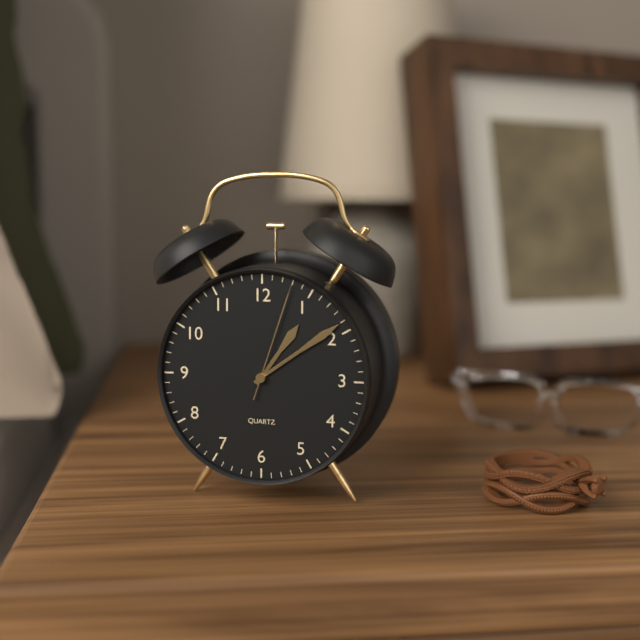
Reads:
h=1 m=9 s=3
